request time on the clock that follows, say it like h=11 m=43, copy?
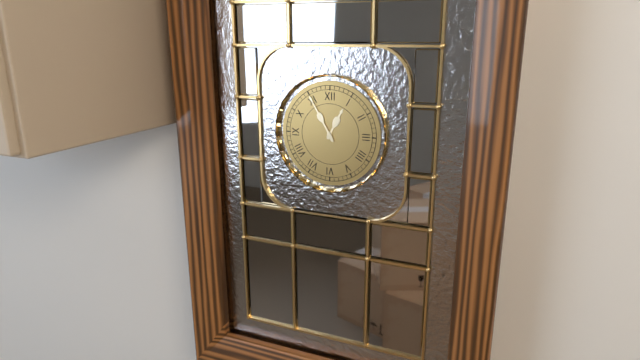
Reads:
h=12 m=55
